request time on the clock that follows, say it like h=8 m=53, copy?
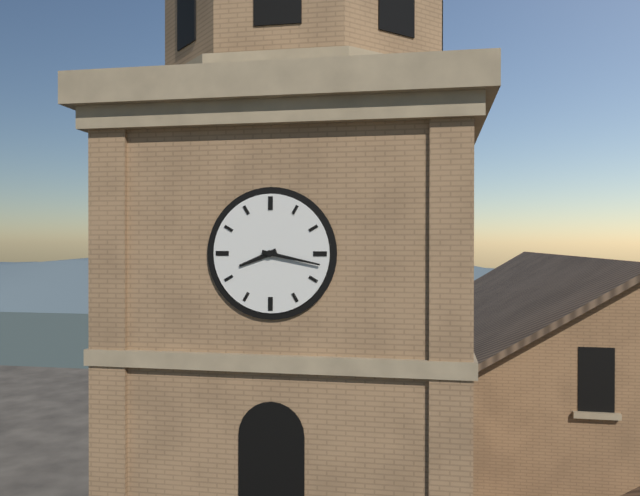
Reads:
h=8 m=17
